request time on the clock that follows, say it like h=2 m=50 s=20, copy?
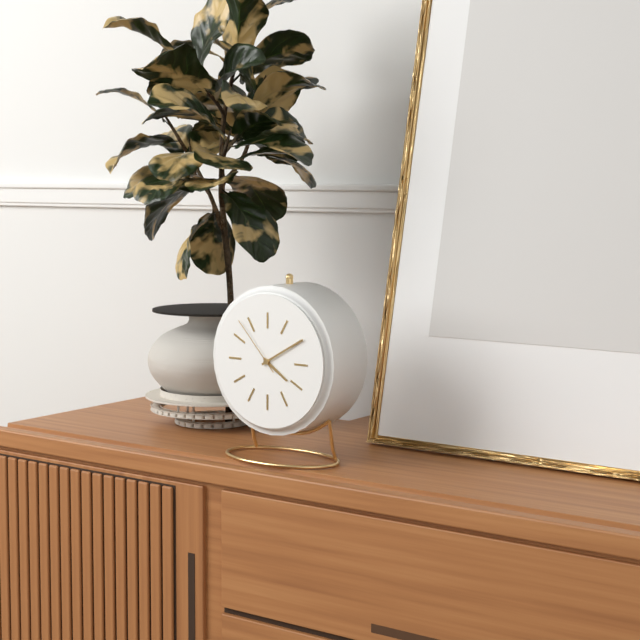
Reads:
h=4 m=10 s=53
